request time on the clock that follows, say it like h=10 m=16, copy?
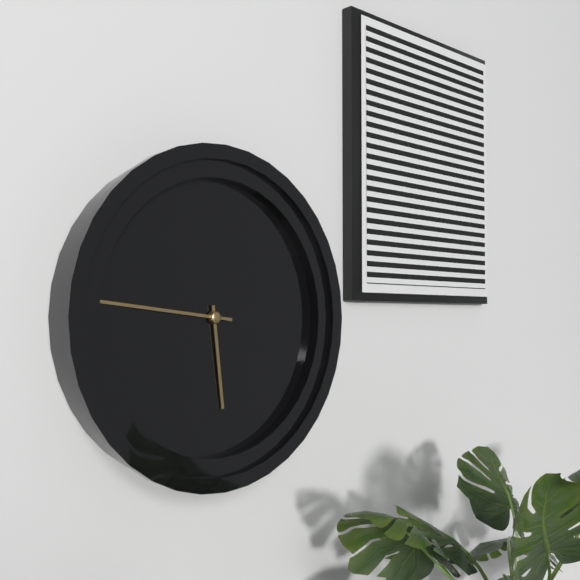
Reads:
h=5 m=46
